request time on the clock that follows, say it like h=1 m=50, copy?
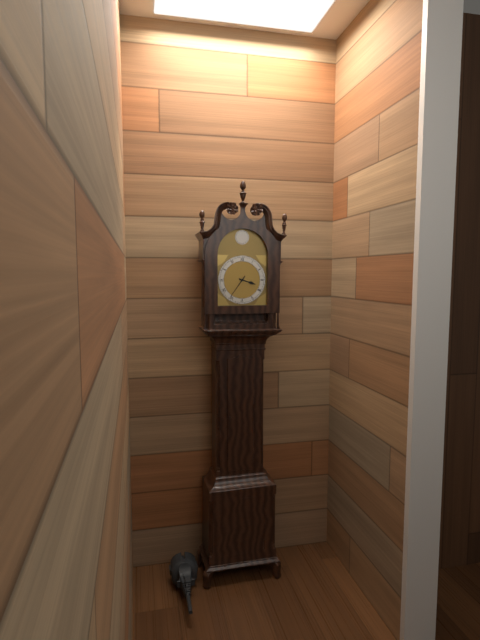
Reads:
h=3 m=36
